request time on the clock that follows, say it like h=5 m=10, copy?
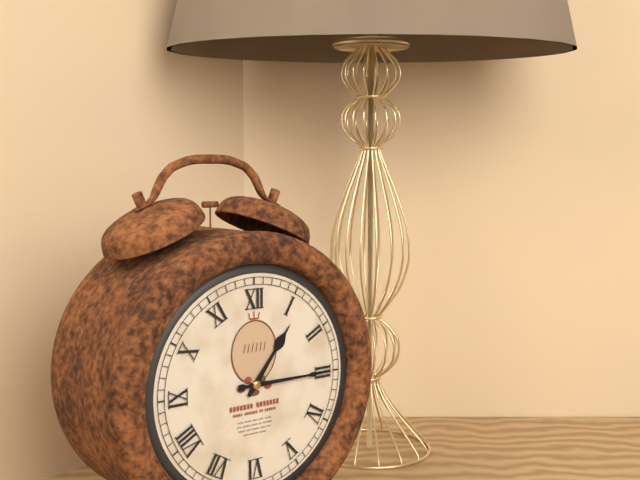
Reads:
h=1 m=15
